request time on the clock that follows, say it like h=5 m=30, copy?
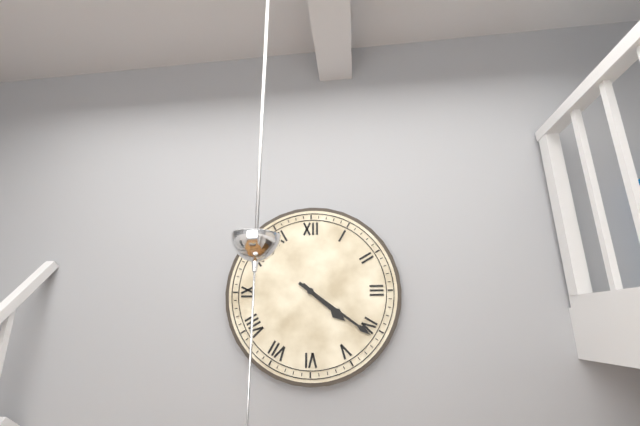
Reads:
h=4 m=21
